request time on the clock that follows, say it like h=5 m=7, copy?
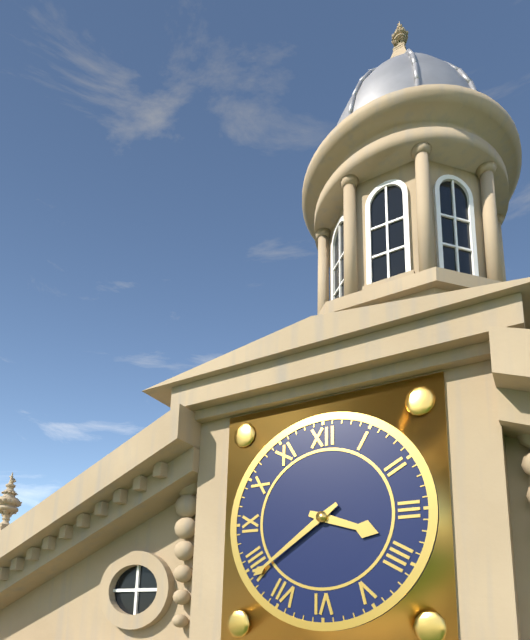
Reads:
h=3 m=39
